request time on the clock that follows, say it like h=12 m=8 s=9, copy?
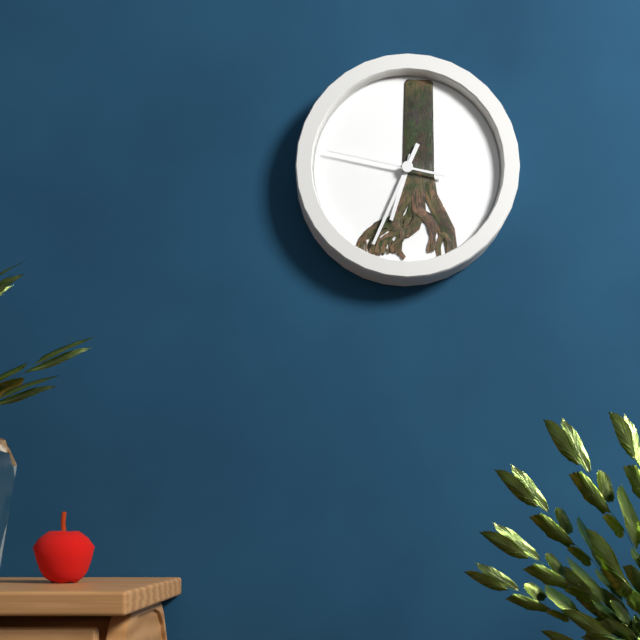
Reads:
h=6 m=34 s=47
